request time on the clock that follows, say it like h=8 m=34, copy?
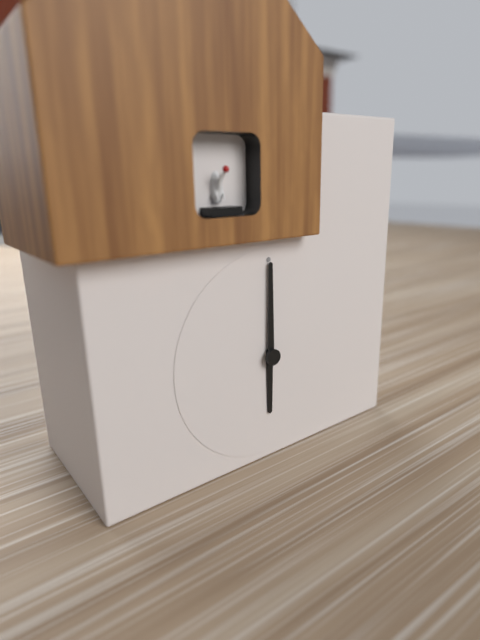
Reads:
h=6 m=0
